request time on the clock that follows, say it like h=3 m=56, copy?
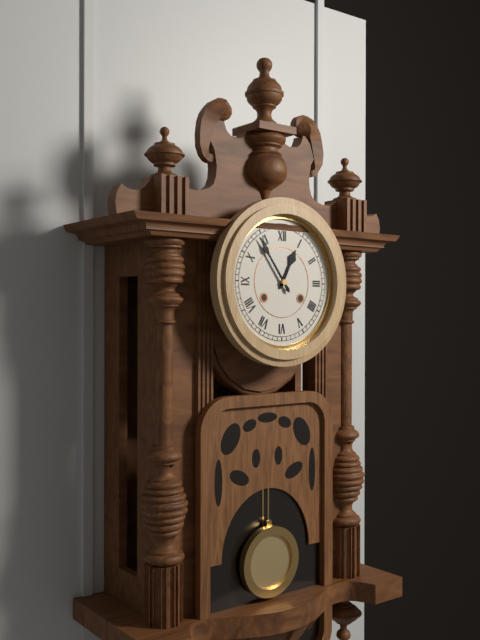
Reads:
h=12 m=54
